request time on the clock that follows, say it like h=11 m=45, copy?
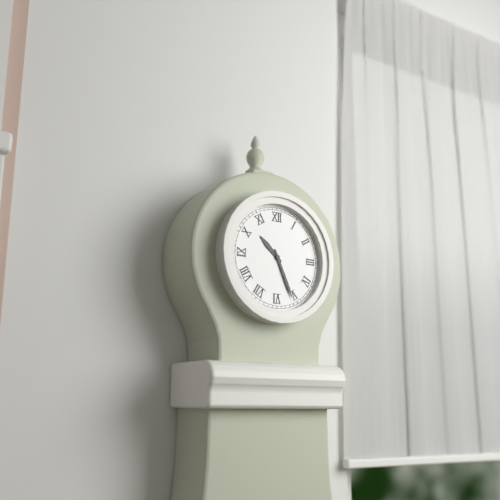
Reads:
h=10 m=26
